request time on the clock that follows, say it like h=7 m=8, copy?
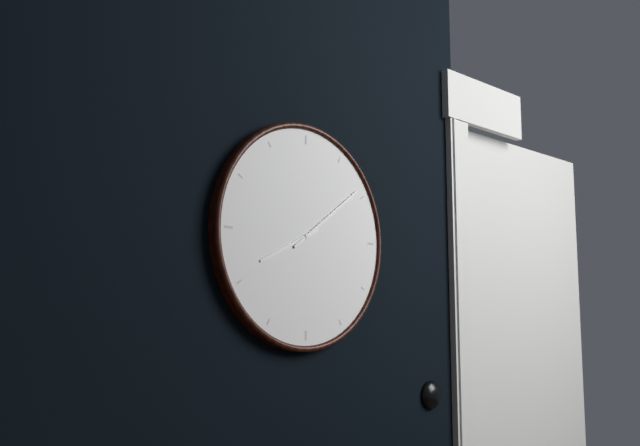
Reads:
h=8 m=9
